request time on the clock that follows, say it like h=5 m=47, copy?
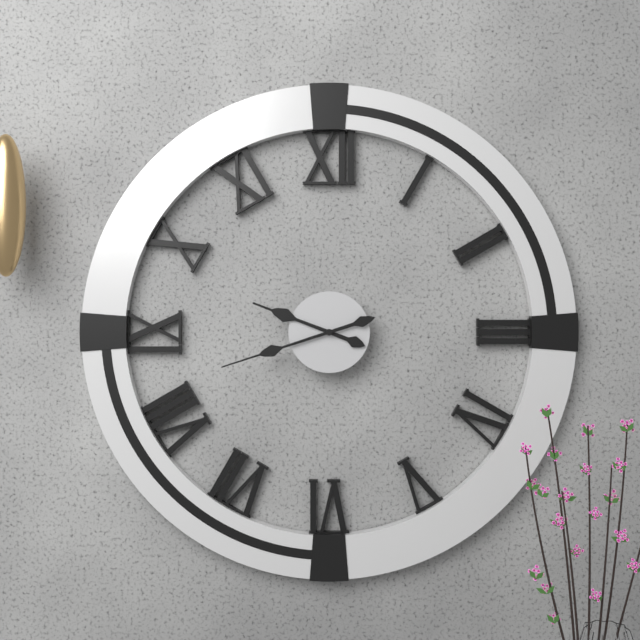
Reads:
h=9 m=42
